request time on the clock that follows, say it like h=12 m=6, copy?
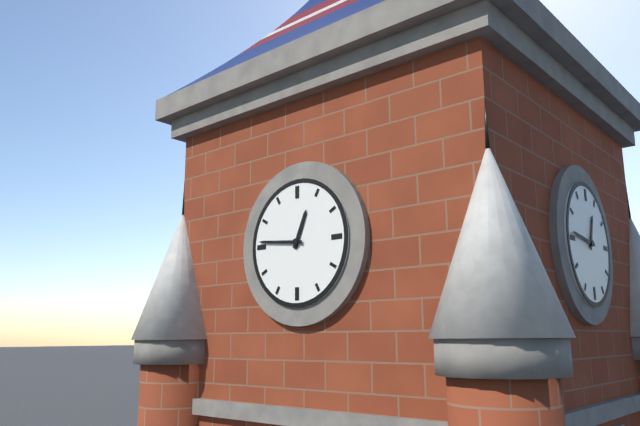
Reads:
h=12 m=46
